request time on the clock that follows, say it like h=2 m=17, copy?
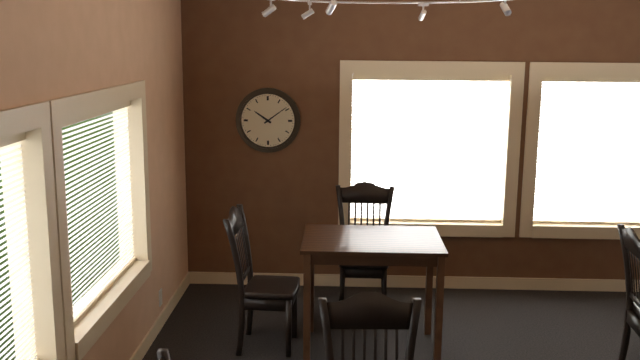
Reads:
h=10 m=9
